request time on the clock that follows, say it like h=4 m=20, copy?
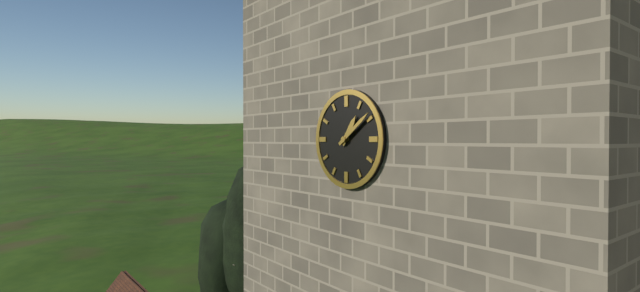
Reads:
h=1 m=9
